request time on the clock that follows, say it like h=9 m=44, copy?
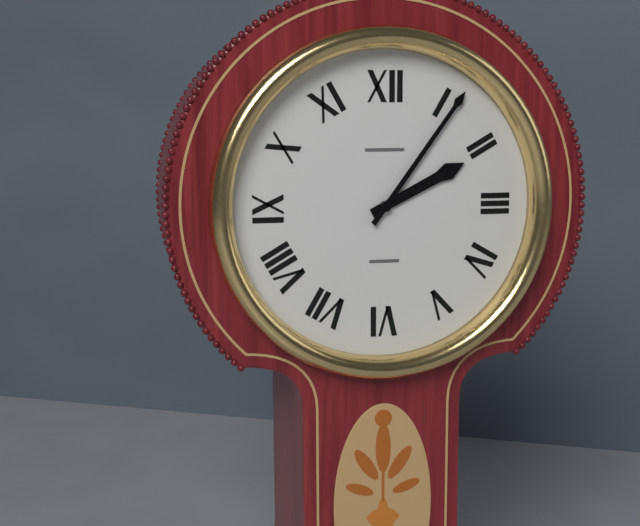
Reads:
h=2 m=6
